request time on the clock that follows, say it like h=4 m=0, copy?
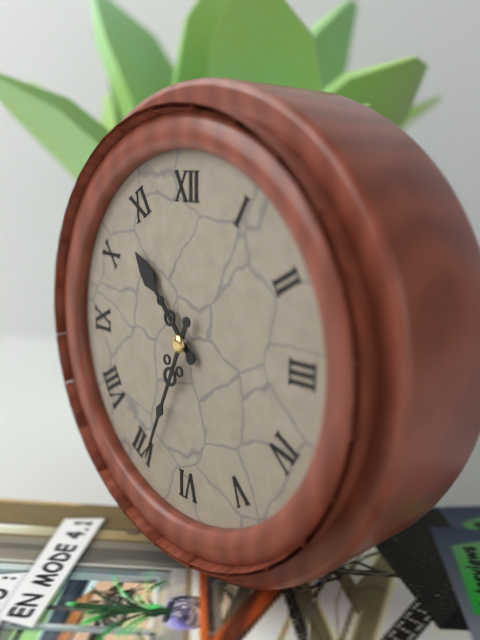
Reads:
h=10 m=34
